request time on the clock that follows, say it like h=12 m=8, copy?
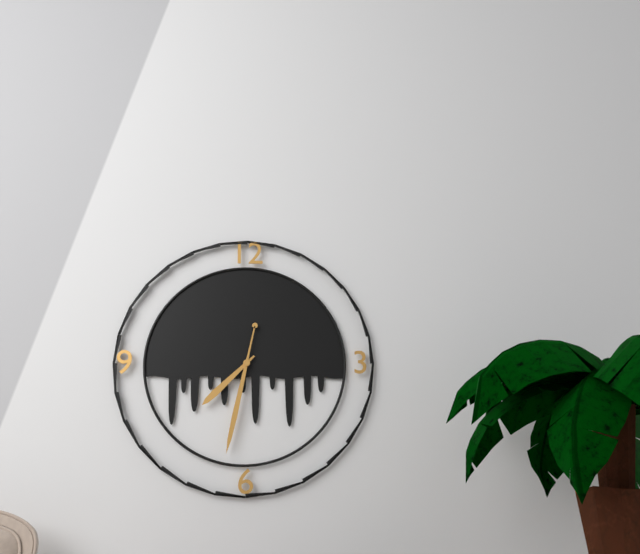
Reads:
h=7 m=32
